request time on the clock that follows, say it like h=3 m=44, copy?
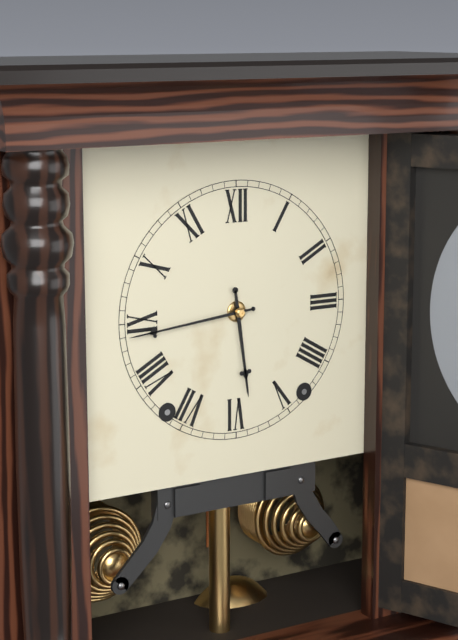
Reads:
h=5 m=44
